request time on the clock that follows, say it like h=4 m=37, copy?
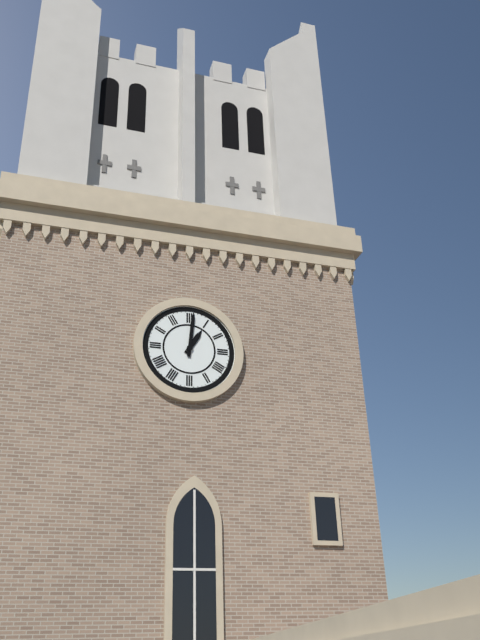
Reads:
h=1 m=1
